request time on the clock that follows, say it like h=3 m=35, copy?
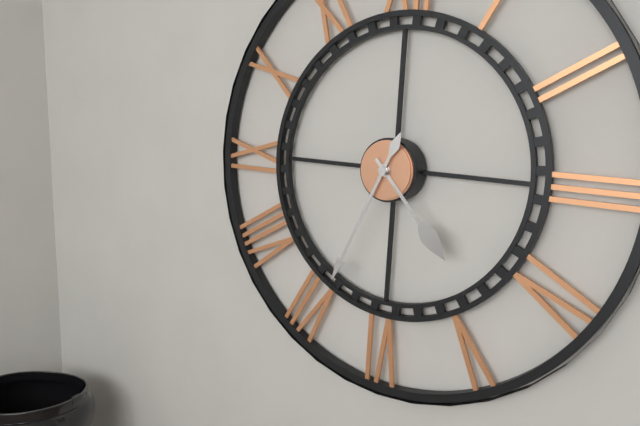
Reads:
h=4 m=34
